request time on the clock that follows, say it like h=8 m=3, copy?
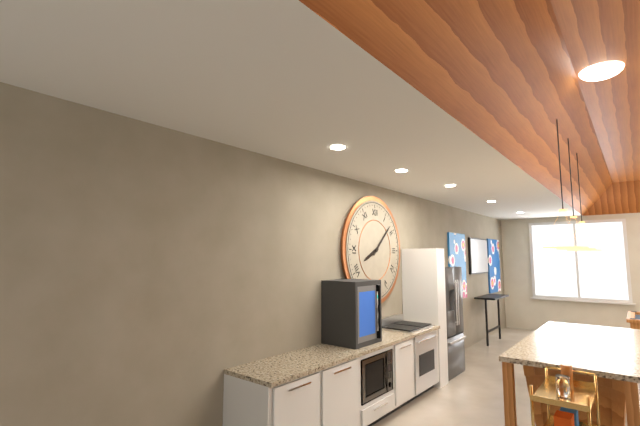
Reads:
h=8 m=8
